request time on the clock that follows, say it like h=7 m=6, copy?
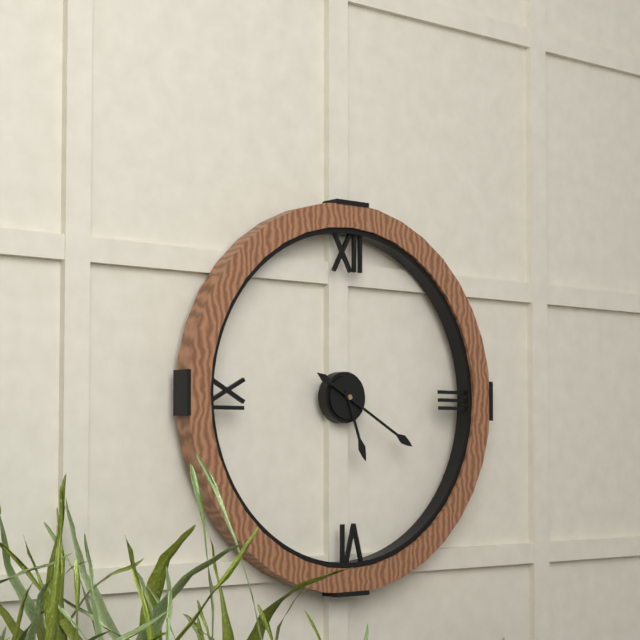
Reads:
h=5 m=20
